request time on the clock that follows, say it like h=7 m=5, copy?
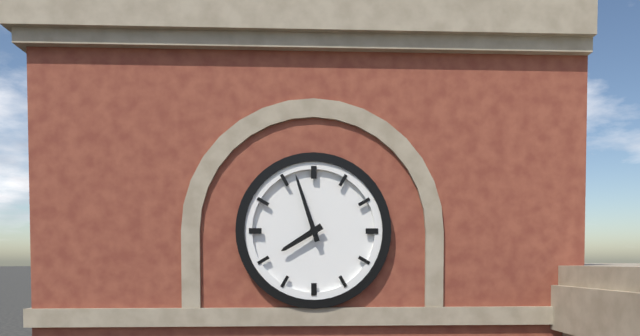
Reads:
h=7 m=57
